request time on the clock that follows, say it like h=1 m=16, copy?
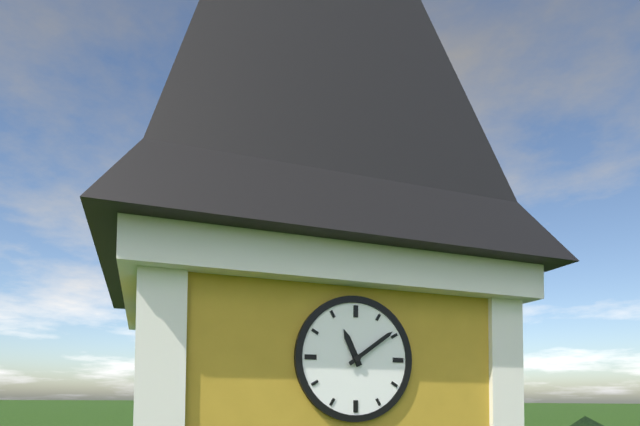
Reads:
h=11 m=9
